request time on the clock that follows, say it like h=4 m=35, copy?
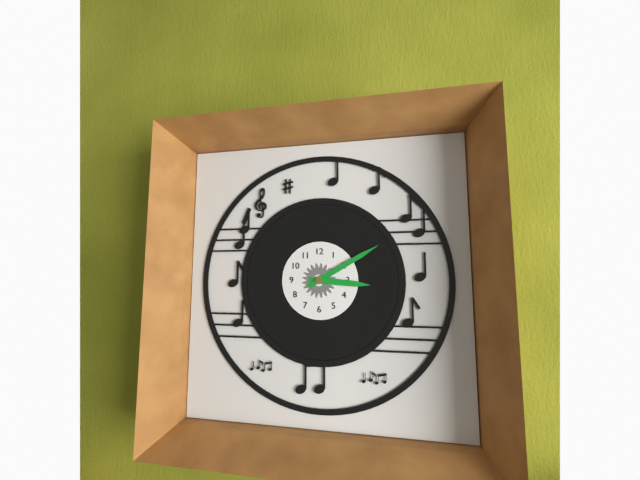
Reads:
h=3 m=10
